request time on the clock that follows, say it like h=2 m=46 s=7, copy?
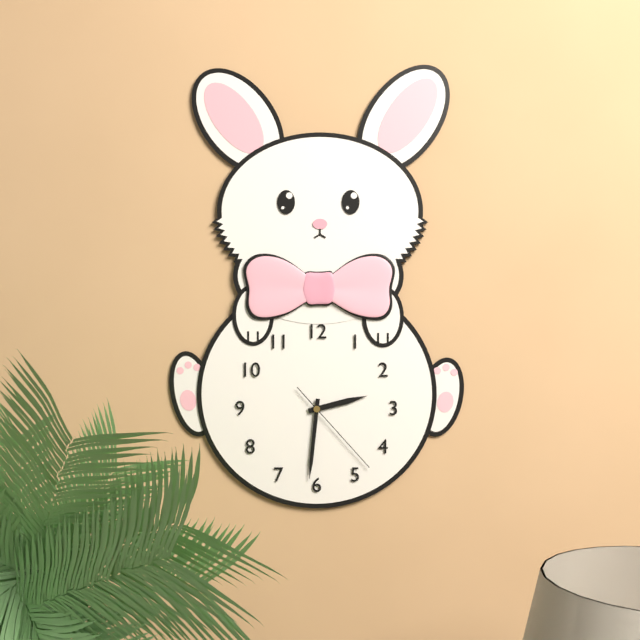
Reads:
h=2 m=31 s=23
